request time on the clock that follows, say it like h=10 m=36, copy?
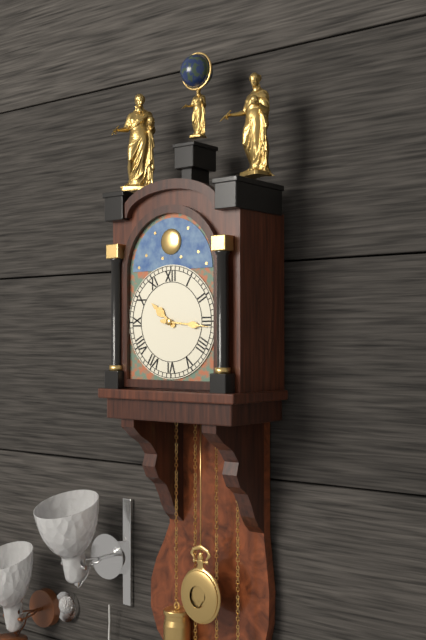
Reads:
h=10 m=16
